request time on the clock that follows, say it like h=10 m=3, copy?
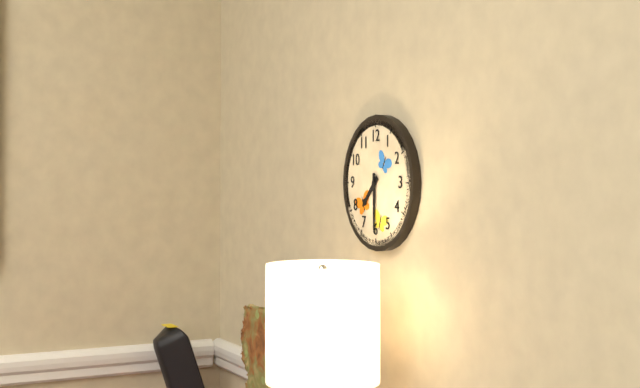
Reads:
h=7 m=30
